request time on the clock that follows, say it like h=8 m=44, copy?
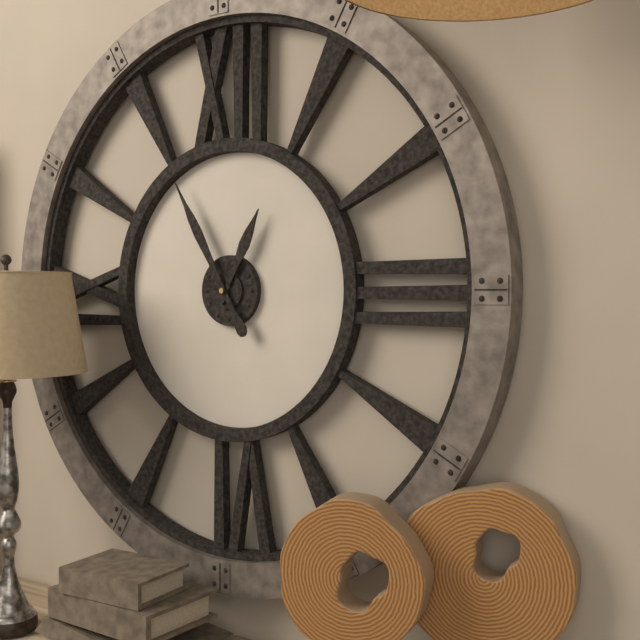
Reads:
h=12 m=55
